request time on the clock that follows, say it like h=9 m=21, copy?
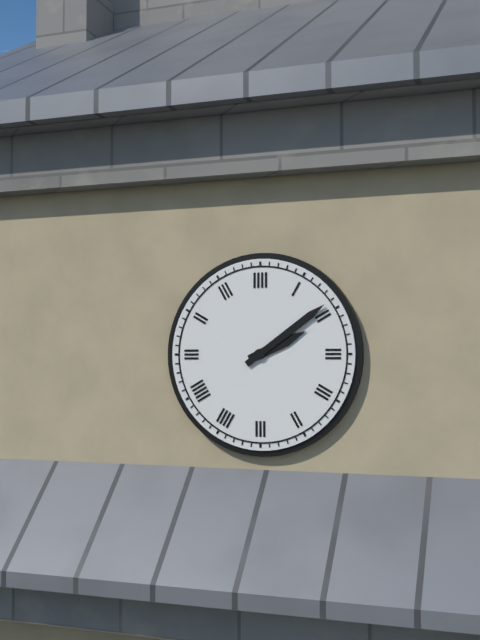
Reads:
h=2 m=9
